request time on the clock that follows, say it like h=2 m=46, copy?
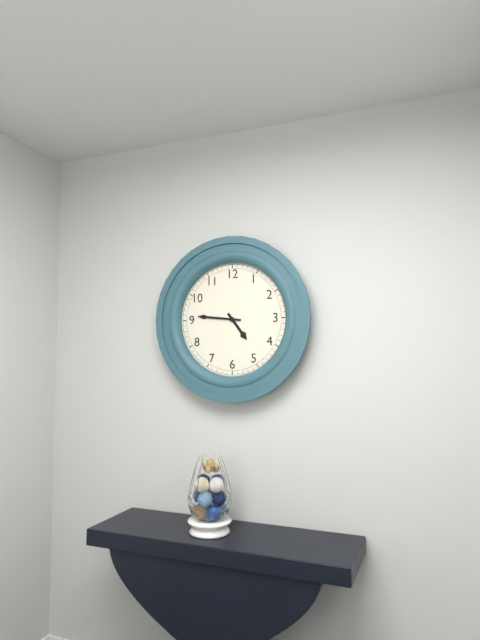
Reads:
h=4 m=46
